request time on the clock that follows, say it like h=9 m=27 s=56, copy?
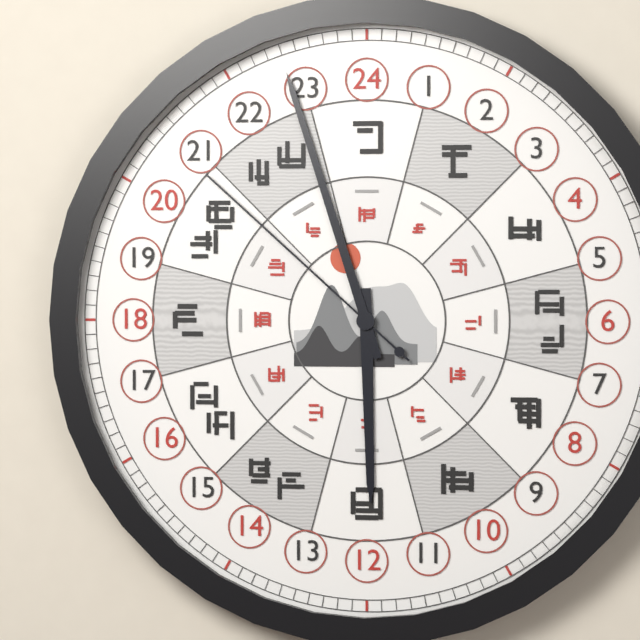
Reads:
h=5 m=57 s=52
